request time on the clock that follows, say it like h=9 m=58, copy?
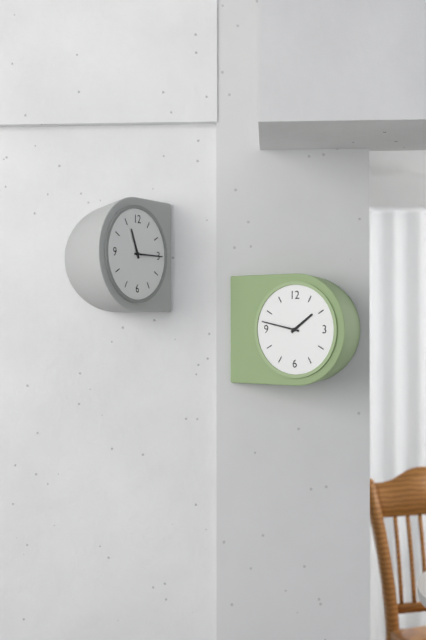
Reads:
h=1 m=47
